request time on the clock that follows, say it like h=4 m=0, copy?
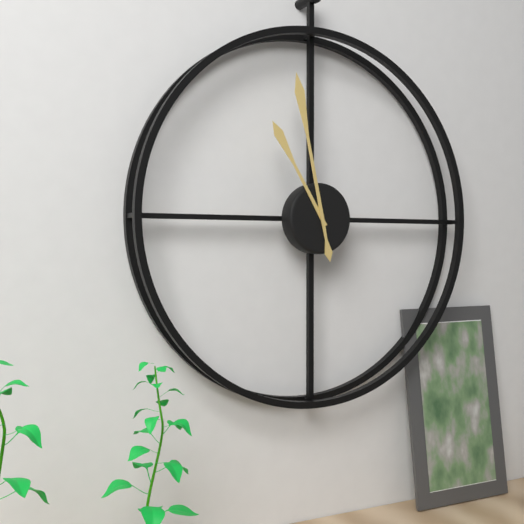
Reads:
h=10 m=58
